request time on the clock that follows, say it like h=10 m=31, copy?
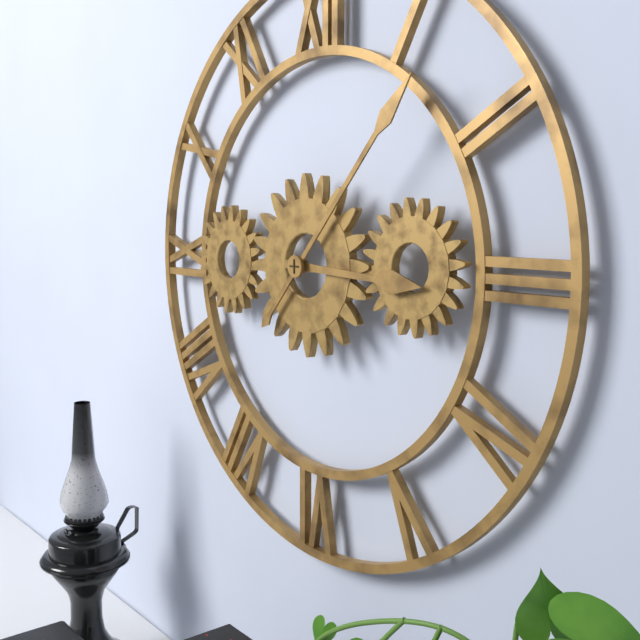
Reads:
h=3 m=7
